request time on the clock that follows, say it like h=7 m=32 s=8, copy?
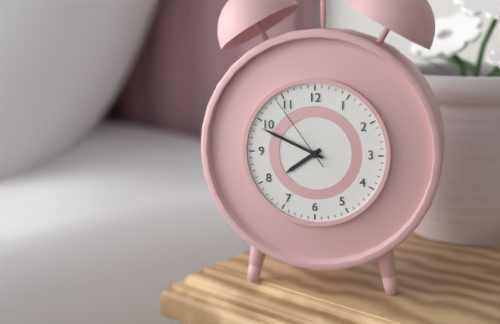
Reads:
h=7 m=49 s=54
